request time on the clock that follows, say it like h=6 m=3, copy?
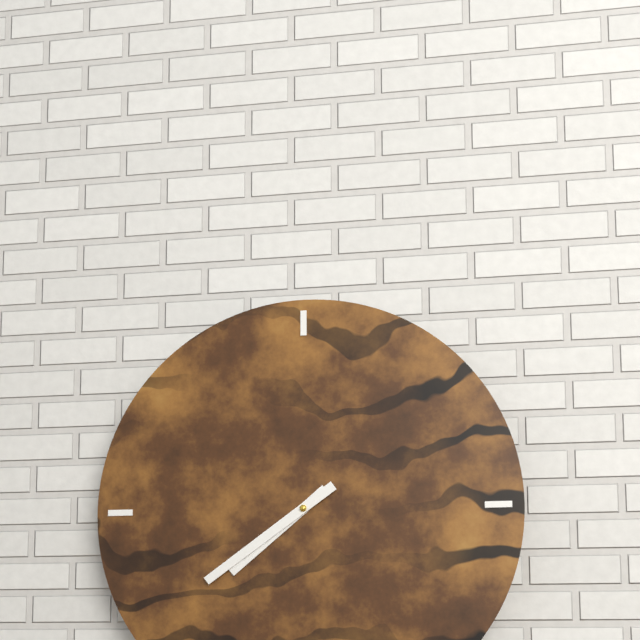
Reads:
h=7 m=39
